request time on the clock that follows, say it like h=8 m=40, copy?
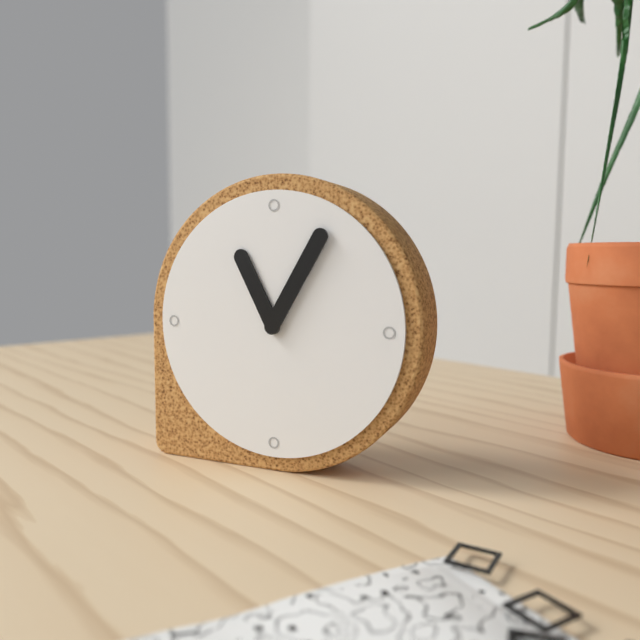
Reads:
h=11 m=5
